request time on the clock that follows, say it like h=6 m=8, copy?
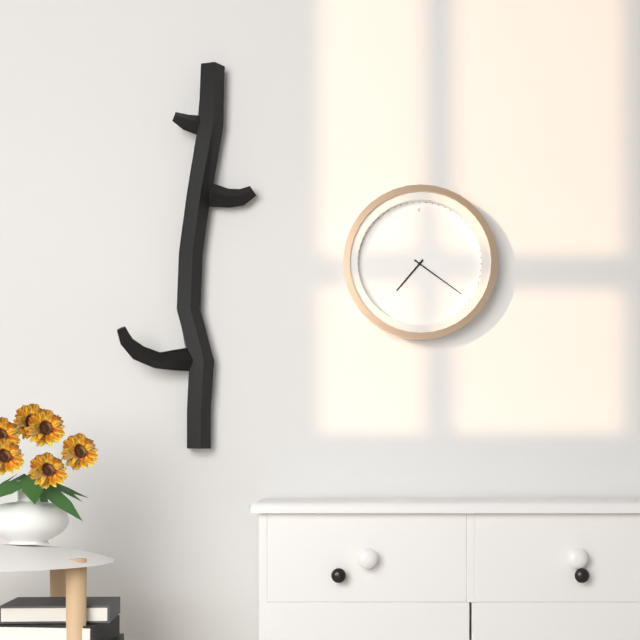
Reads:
h=7 m=21
